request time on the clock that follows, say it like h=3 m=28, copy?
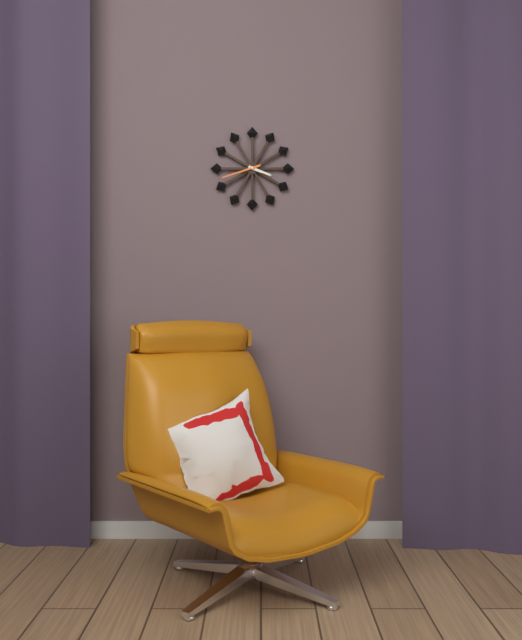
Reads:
h=3 m=42
